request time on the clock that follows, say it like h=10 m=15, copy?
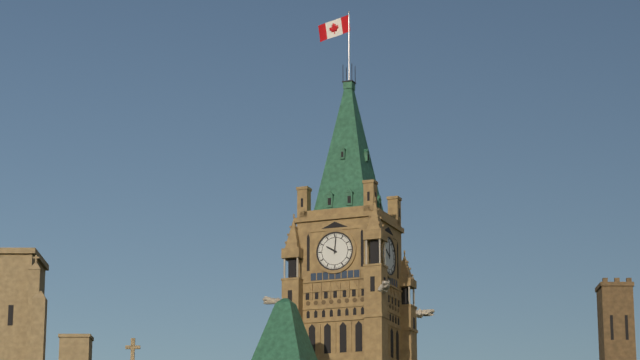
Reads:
h=10 m=1
